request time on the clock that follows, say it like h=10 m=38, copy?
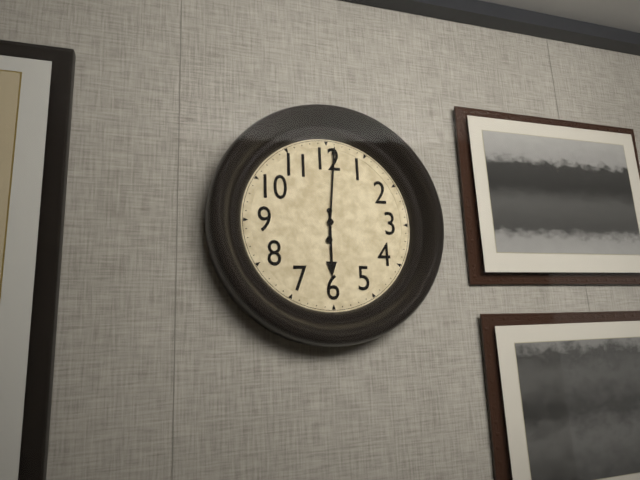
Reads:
h=6 m=1
